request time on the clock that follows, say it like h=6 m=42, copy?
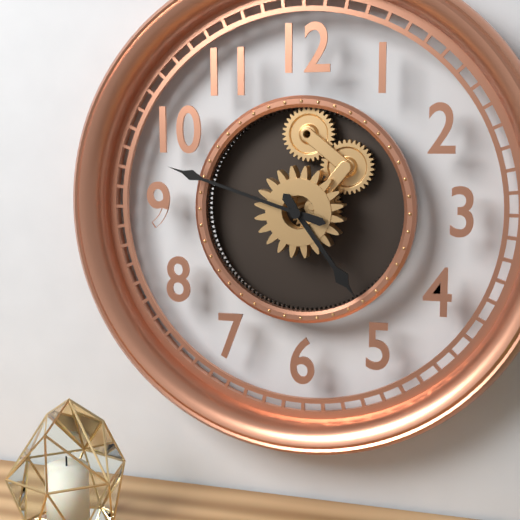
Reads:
h=4 m=48
